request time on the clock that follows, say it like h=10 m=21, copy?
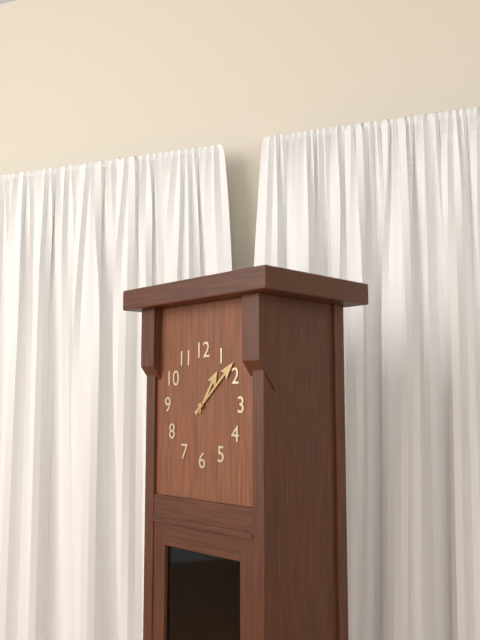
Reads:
h=1 m=8
